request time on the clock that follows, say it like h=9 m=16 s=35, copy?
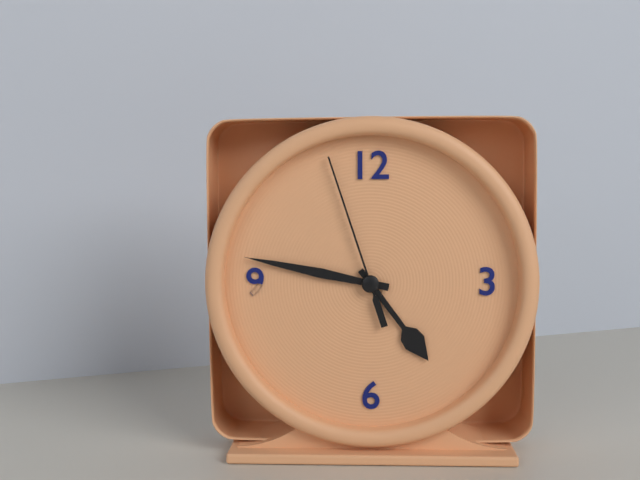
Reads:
h=4 m=47 s=57
